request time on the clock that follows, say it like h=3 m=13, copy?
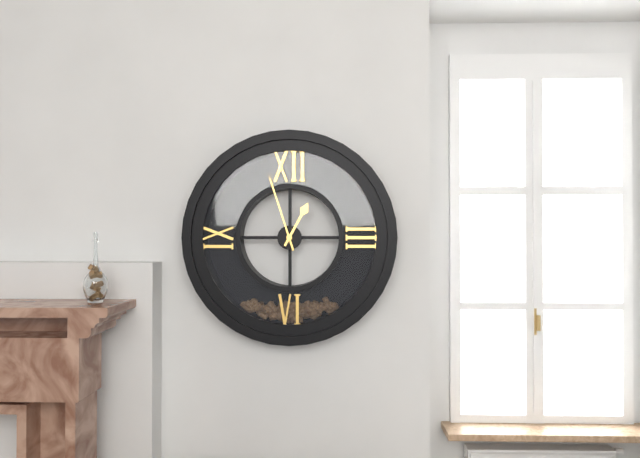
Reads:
h=12 m=57
